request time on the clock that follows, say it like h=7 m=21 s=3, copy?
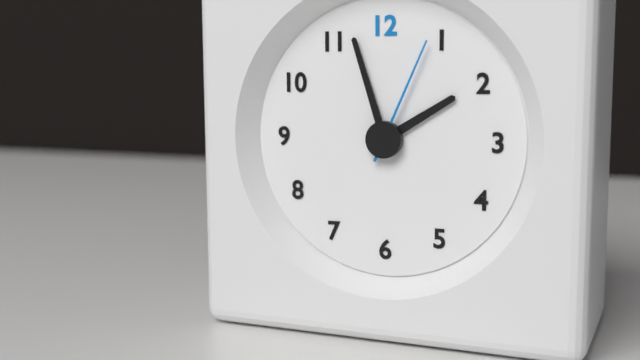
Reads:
h=1 m=57 s=4
